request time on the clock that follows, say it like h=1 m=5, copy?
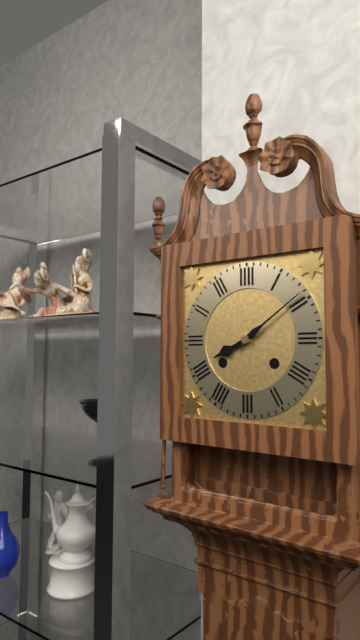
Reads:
h=8 m=9
